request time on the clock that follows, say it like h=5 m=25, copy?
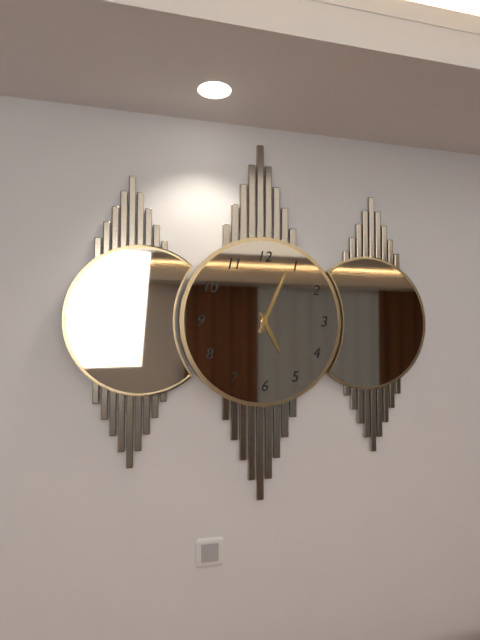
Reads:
h=5 m=4
